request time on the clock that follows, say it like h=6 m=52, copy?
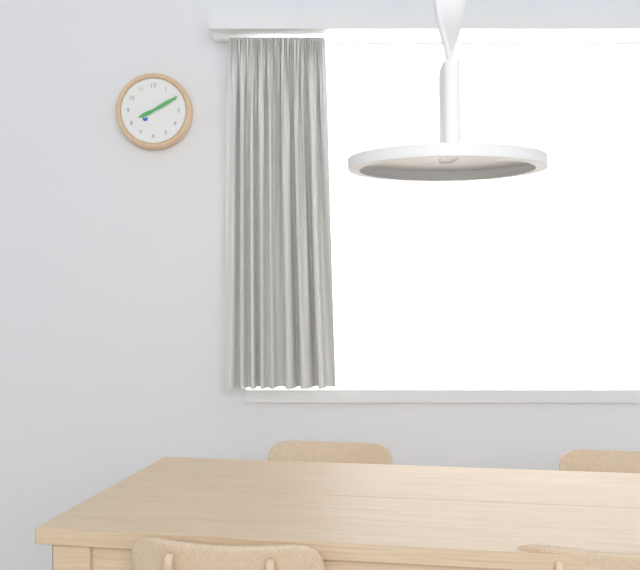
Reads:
h=8 m=10
